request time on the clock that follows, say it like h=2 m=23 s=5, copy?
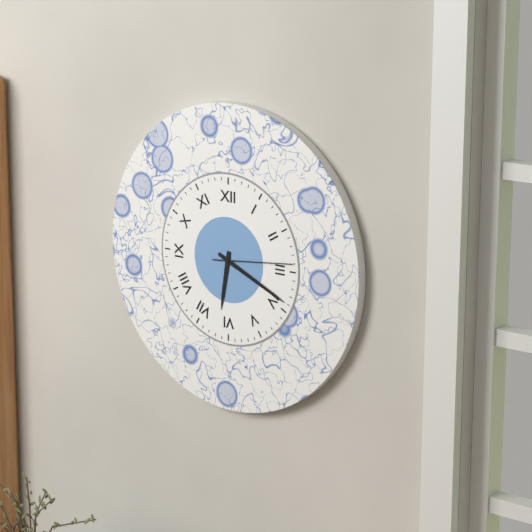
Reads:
h=6 m=19 s=14
